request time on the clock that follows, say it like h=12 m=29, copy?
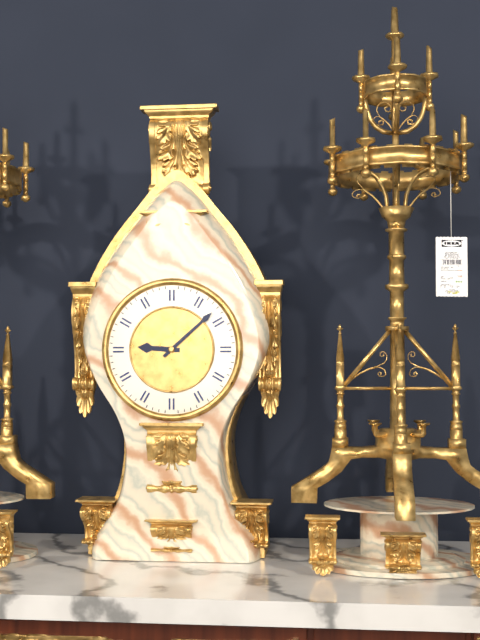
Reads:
h=9 m=8
